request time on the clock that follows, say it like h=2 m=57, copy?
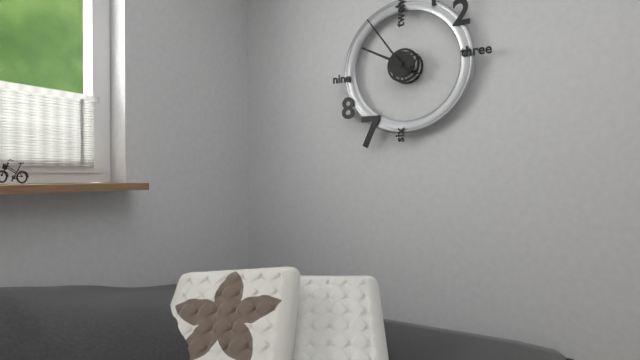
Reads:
h=9 m=54
